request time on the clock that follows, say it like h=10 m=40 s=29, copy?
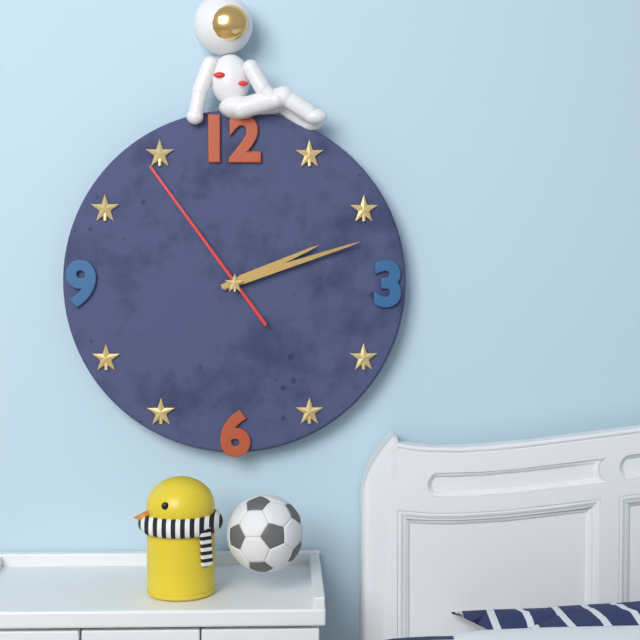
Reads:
h=2 m=12 s=54
